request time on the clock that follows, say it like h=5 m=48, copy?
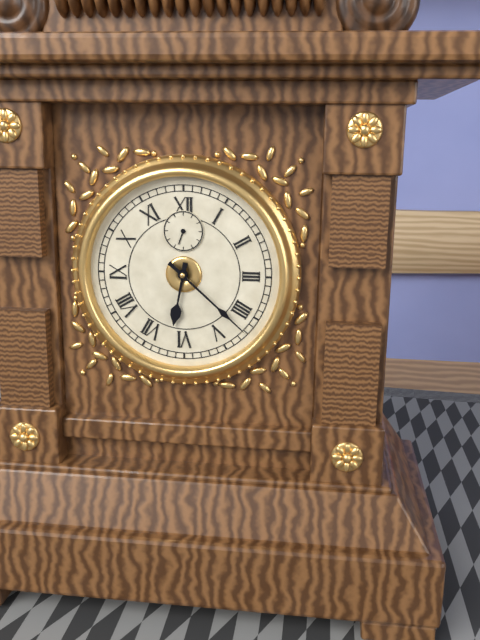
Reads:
h=6 m=22
